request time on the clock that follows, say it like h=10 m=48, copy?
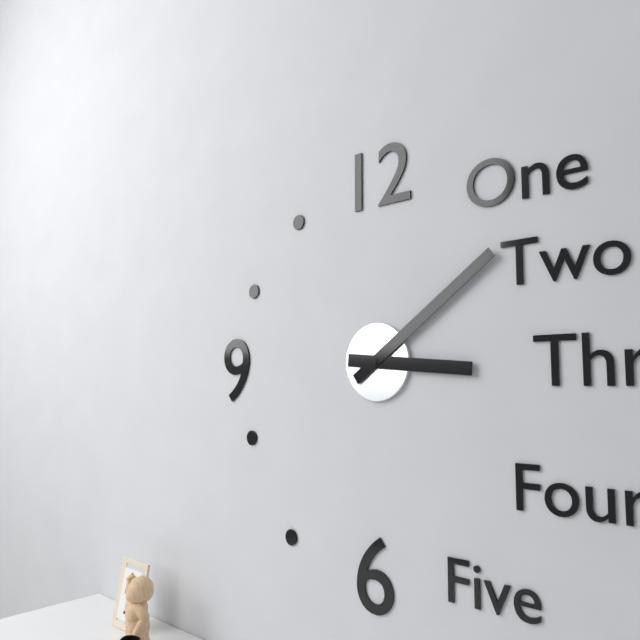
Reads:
h=3 m=9
